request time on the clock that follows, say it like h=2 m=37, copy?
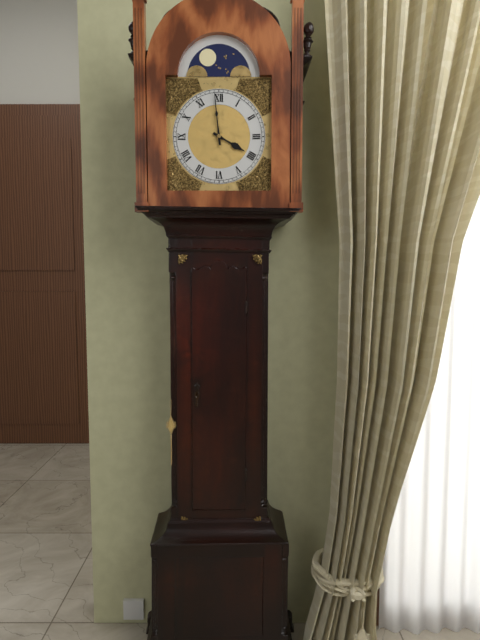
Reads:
h=3 m=59
